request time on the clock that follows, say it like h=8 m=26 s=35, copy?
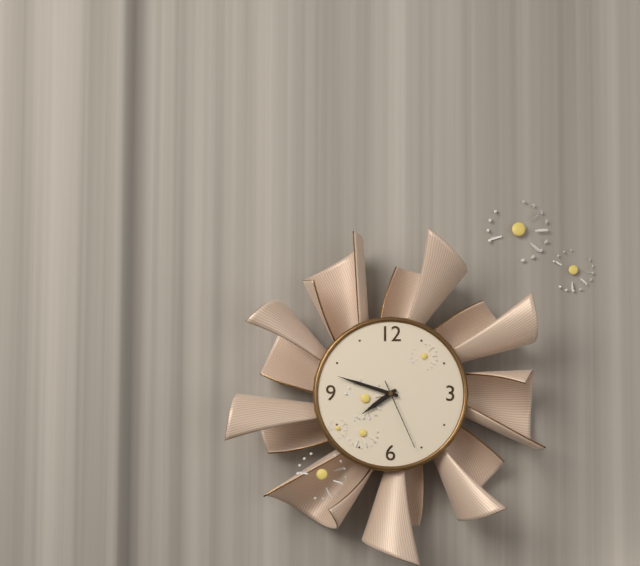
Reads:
h=7 m=48 s=26
